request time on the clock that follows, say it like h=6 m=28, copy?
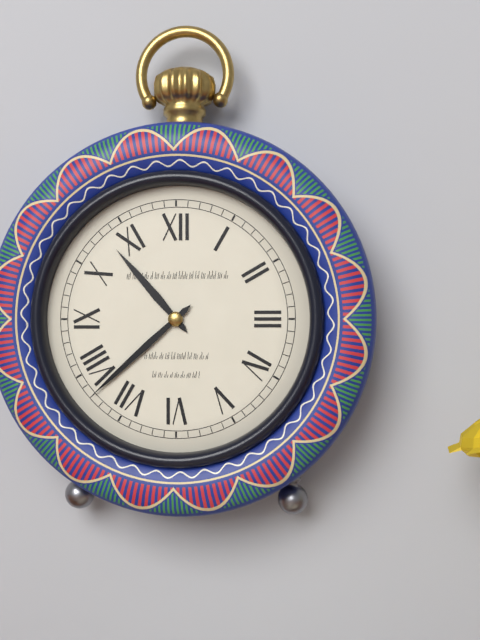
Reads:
h=10 m=38
